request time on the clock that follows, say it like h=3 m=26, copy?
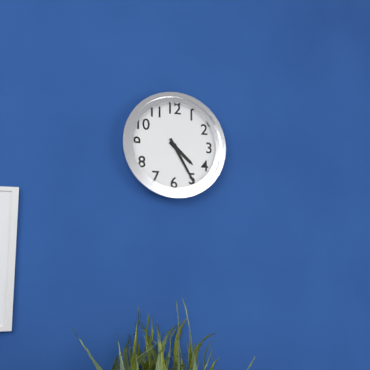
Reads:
h=4 m=25
